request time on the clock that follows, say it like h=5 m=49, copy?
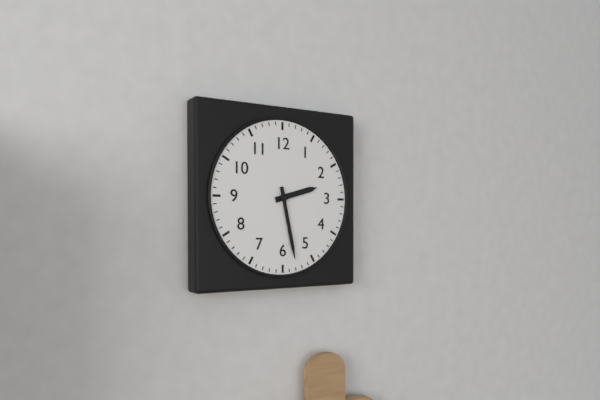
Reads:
h=2 m=28
